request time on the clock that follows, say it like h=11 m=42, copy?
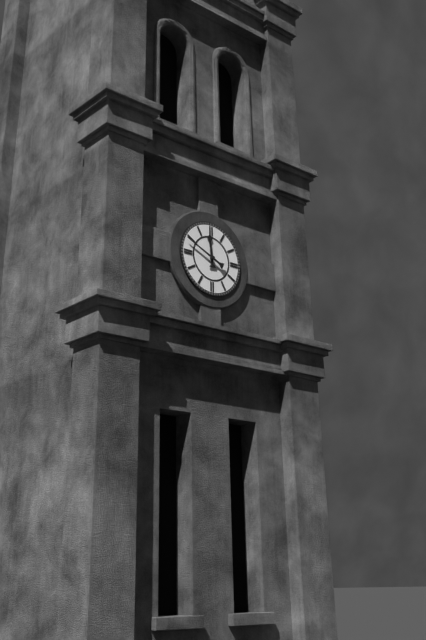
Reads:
h=11 m=49
